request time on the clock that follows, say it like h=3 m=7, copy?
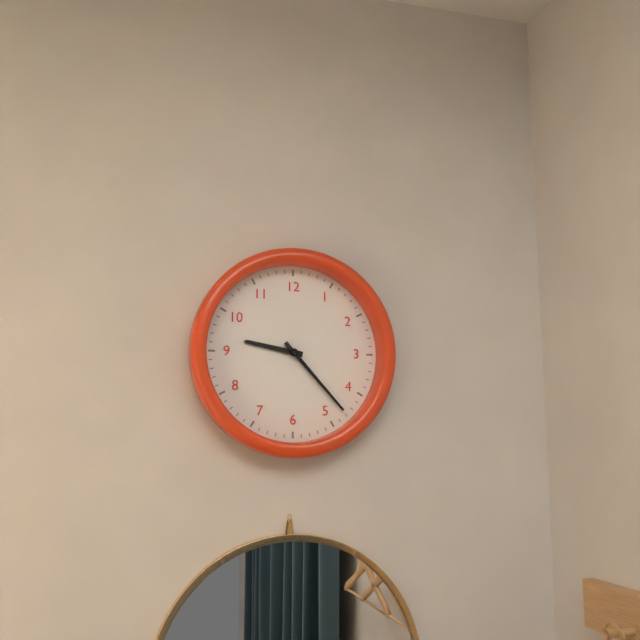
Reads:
h=9 m=23
